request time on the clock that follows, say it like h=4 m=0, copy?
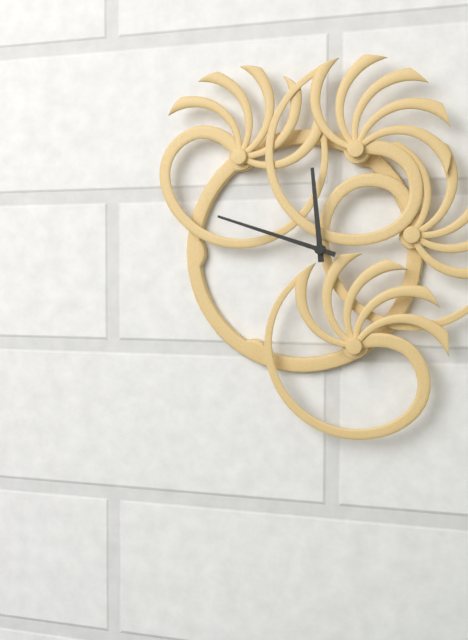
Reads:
h=11 m=48
